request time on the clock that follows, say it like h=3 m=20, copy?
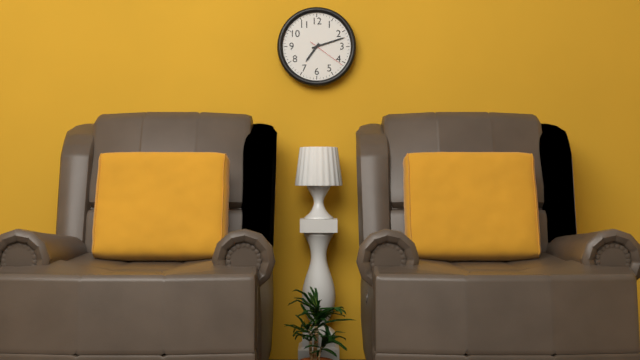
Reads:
h=7 m=12
